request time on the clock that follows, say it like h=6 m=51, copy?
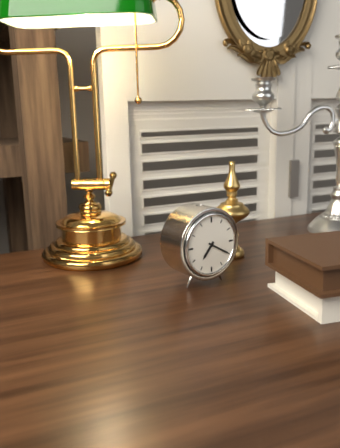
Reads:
h=7 m=20
